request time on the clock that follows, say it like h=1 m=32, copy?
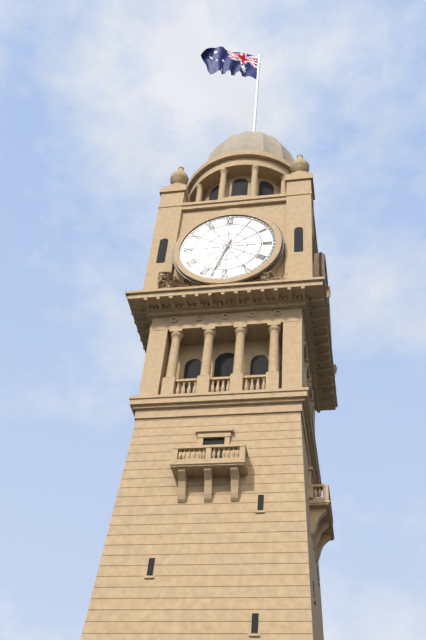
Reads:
h=6 m=33
